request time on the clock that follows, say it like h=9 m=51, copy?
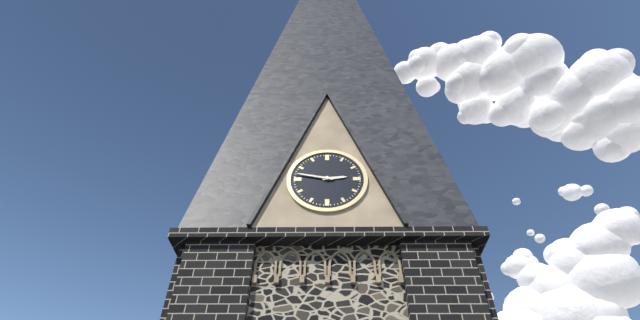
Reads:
h=2 m=47
